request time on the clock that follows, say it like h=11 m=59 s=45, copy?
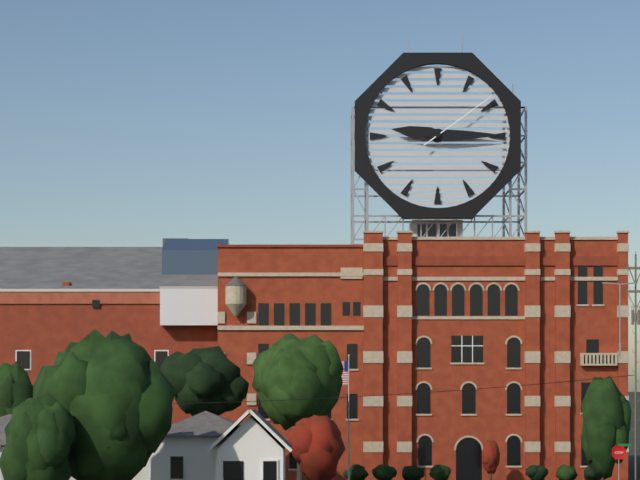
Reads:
h=9 m=15 s=9
